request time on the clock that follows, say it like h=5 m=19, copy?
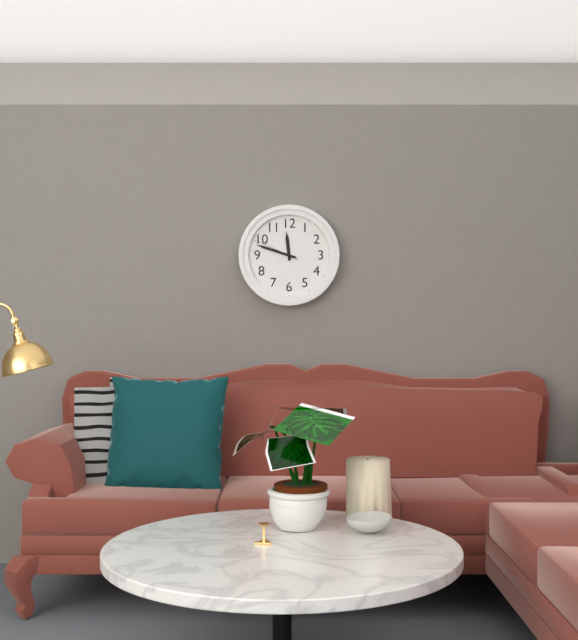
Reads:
h=11 m=48
